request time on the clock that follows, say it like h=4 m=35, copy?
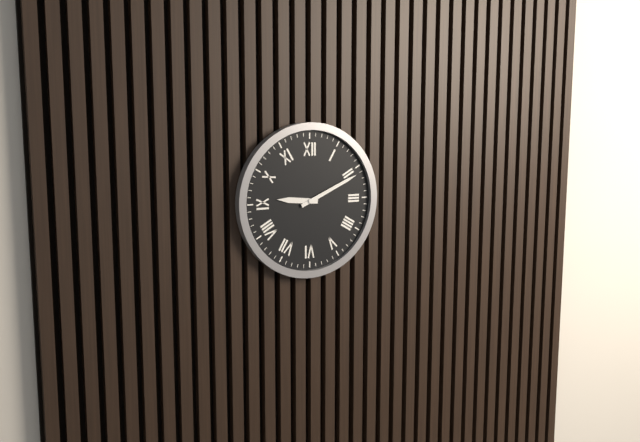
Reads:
h=9 m=11
